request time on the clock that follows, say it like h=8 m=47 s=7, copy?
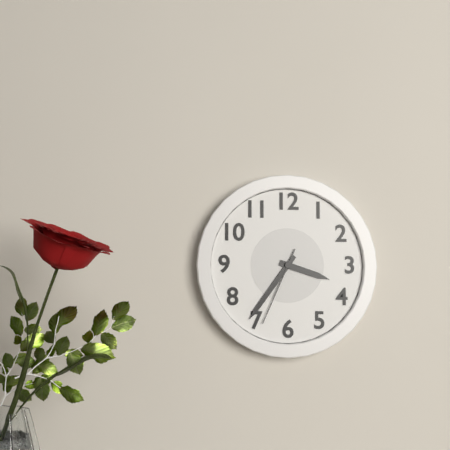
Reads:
h=3 m=36 s=34
